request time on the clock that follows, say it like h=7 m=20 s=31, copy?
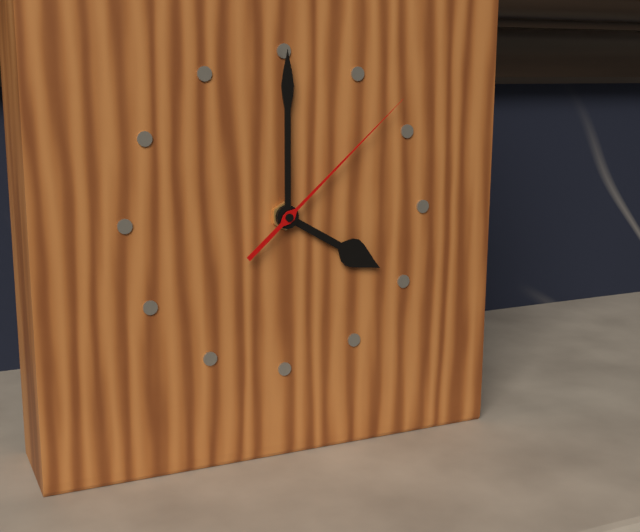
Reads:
h=4 m=0 s=8
